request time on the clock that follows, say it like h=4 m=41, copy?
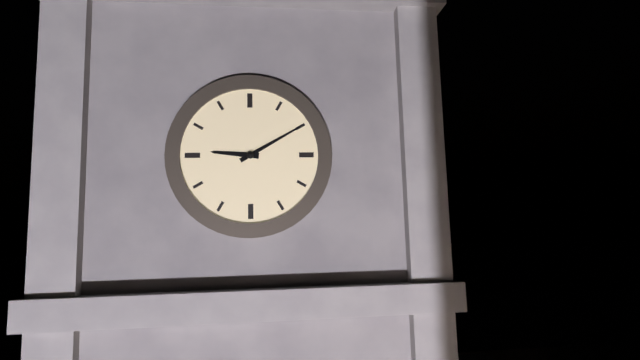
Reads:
h=9 m=10
